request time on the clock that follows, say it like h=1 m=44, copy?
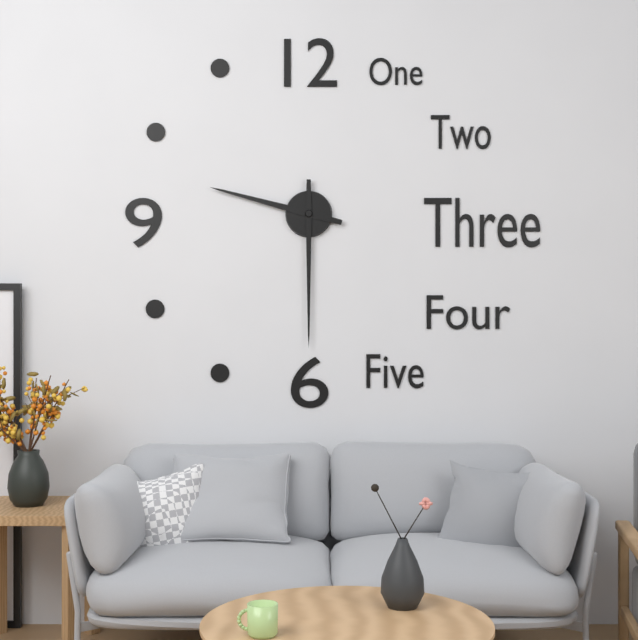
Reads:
h=9 m=30
